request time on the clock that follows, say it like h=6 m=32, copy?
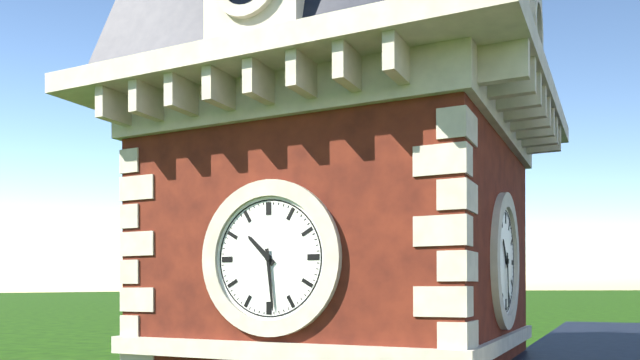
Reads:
h=10 m=29
